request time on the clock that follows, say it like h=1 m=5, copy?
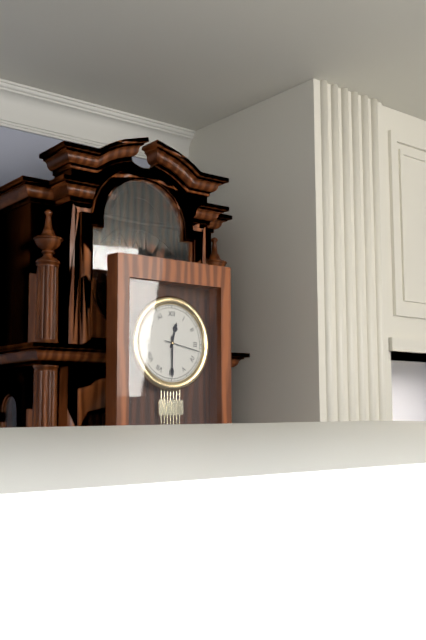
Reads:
h=12 m=30
